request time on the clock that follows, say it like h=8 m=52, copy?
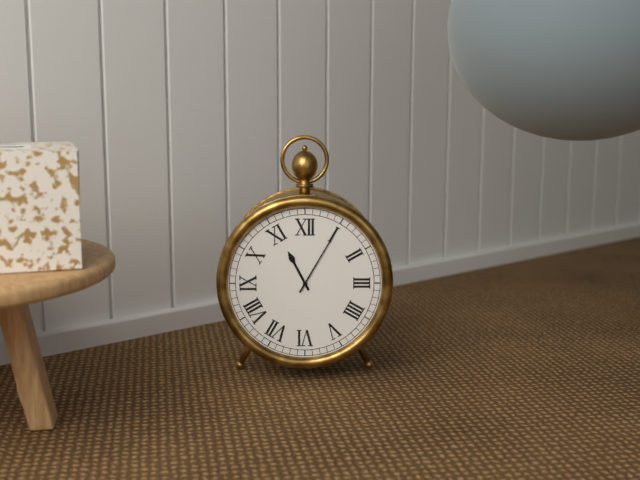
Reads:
h=11 m=5
